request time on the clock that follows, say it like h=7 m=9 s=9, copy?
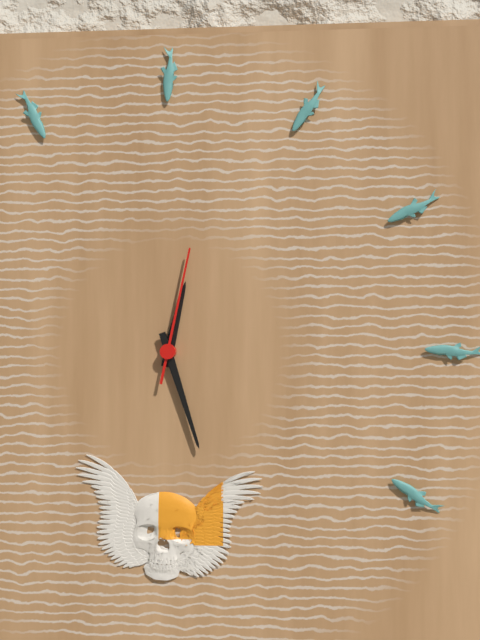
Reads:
h=12 m=27 s=2
